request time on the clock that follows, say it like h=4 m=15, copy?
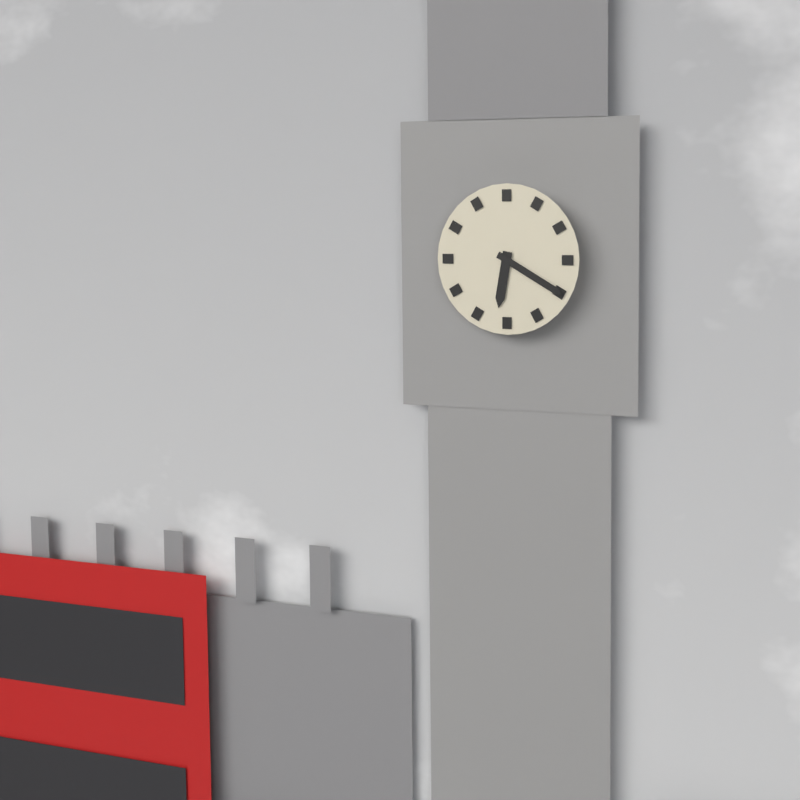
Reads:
h=6 m=20
